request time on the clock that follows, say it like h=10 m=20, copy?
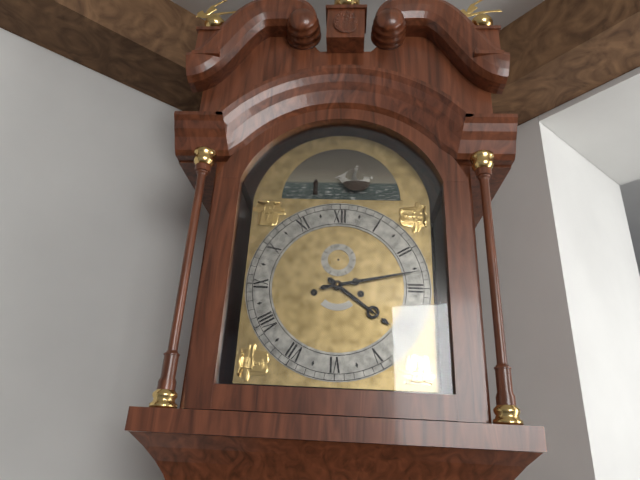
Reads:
h=4 m=13
